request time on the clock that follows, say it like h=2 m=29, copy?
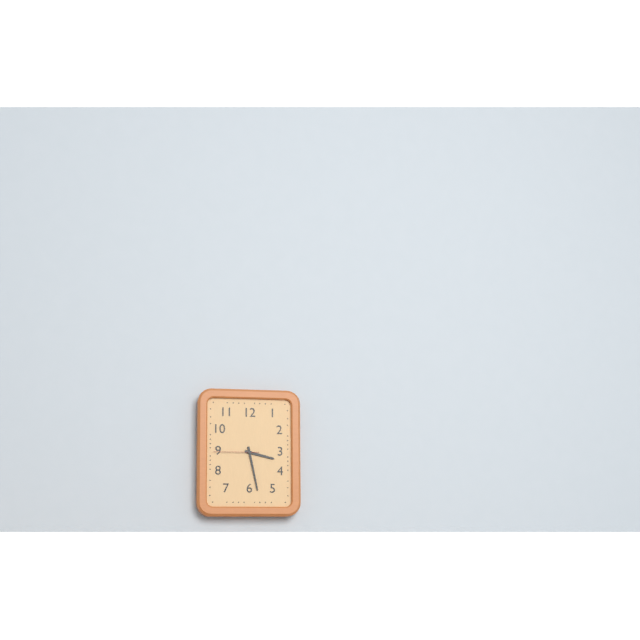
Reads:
h=3 m=28
